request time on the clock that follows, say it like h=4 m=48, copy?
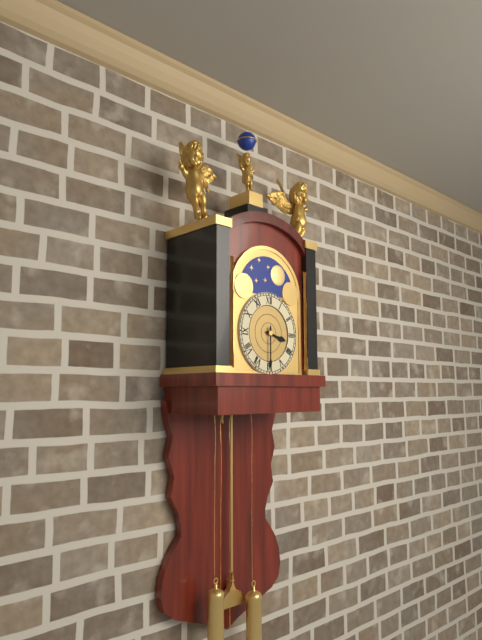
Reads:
h=3 m=30
